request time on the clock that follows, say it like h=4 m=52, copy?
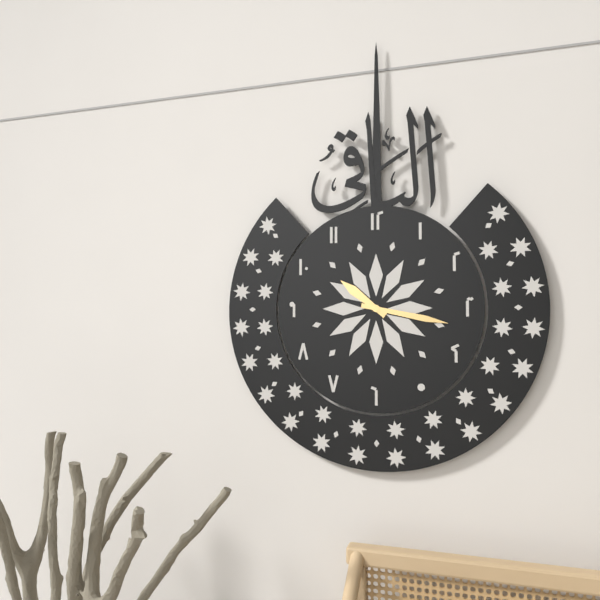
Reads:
h=10 m=17
